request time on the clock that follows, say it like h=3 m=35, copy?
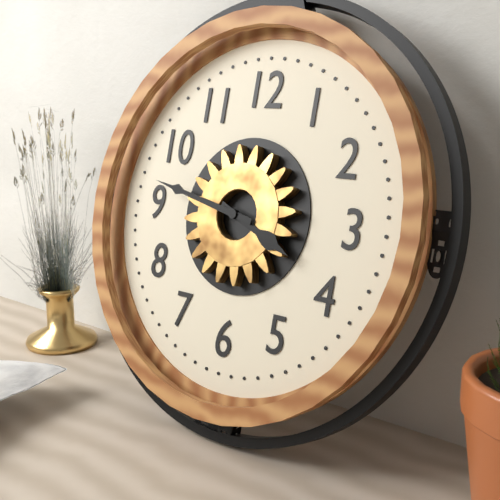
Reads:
h=3 m=47
